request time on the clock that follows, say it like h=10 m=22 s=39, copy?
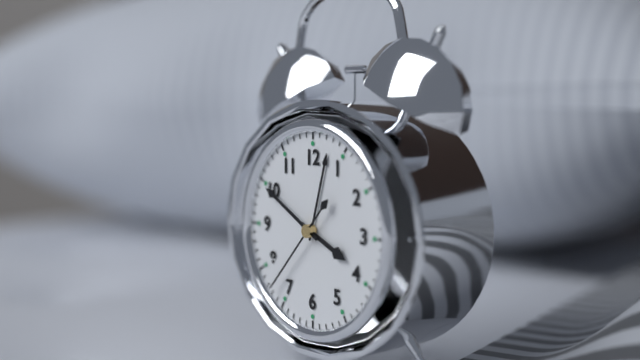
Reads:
h=3 m=50 s=37
